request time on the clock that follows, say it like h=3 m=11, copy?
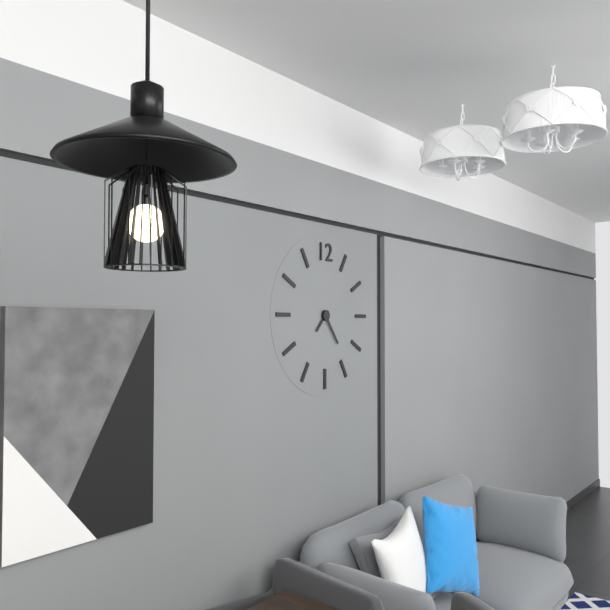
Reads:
h=7 m=24
